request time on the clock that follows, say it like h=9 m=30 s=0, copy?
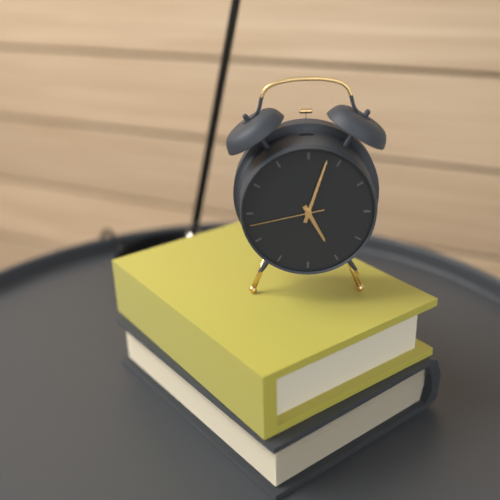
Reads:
h=5 m=3 s=43
